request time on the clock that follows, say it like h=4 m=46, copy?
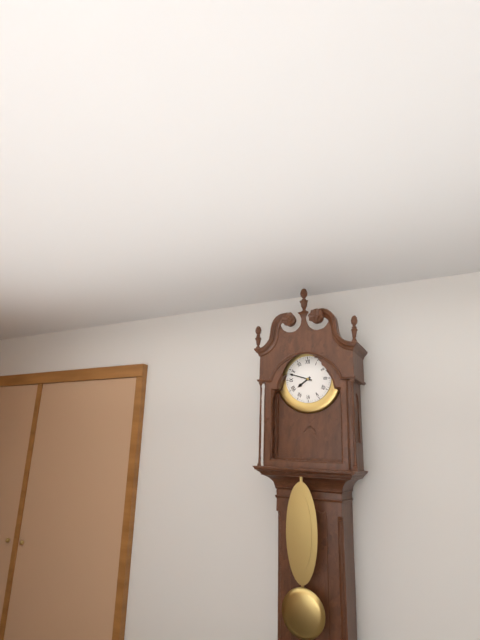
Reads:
h=7 m=48
